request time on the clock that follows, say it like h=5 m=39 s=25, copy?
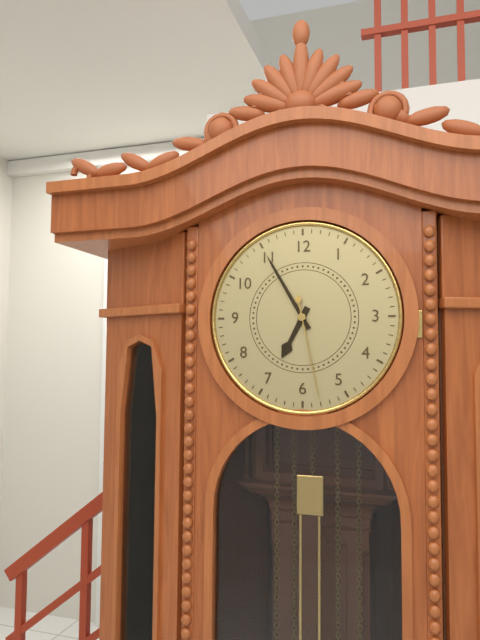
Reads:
h=6 m=55 s=28
